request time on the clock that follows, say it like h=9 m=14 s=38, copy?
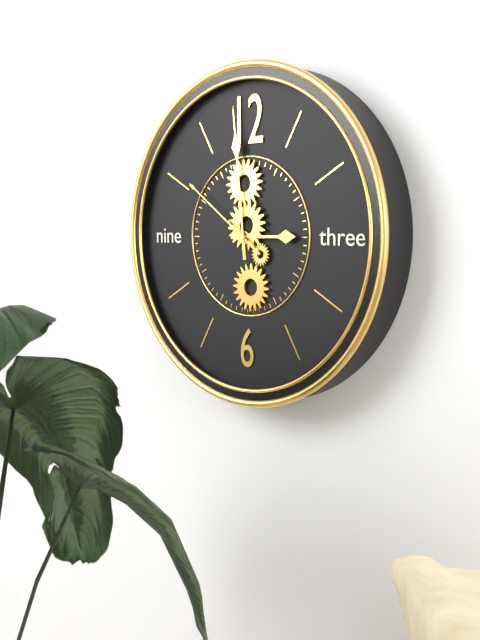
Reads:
h=2 m=59 s=51
